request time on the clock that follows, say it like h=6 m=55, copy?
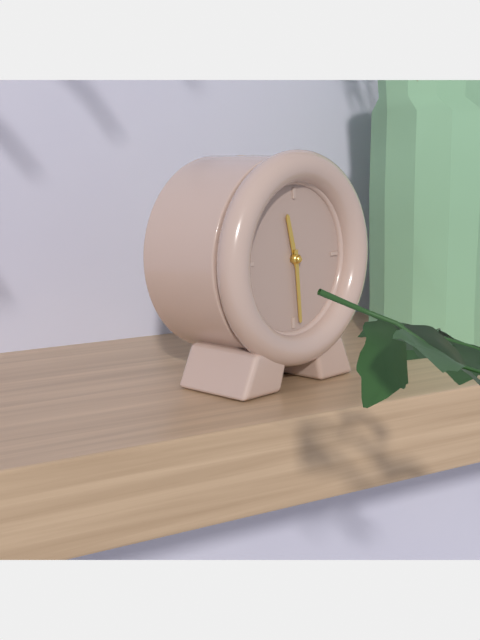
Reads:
h=11 m=29
